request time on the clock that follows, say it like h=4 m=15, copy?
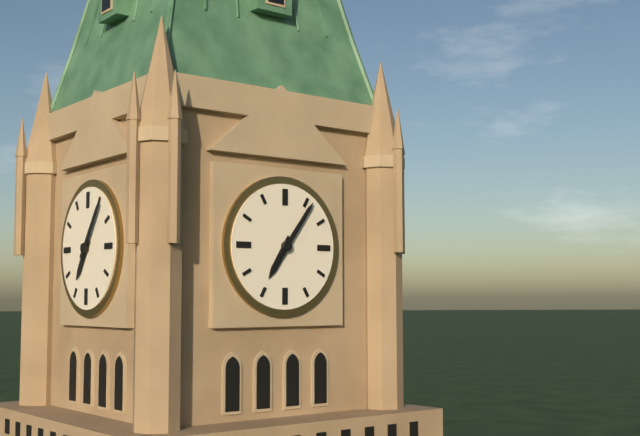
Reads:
h=7 m=6
